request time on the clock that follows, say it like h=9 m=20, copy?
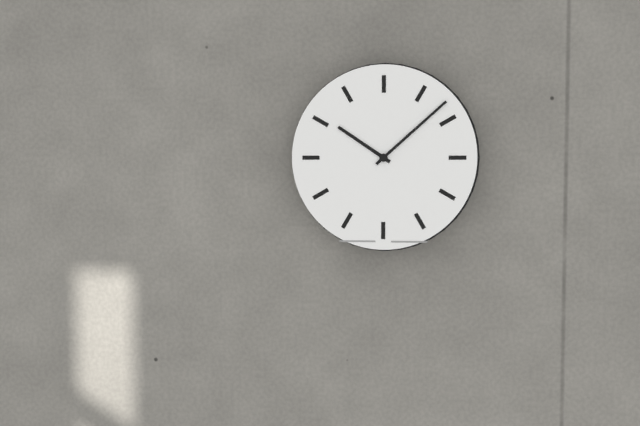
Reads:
h=10 m=8
